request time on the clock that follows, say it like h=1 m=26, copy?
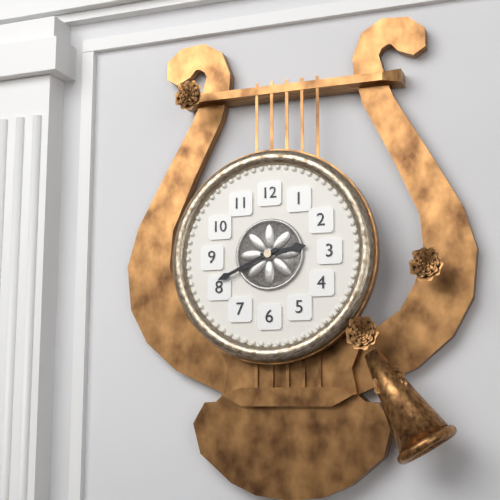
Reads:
h=2 m=41
